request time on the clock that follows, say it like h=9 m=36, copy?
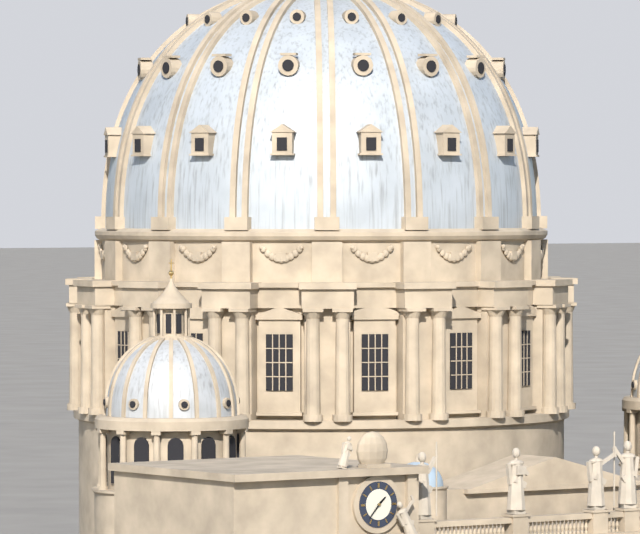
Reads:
h=1 m=37
